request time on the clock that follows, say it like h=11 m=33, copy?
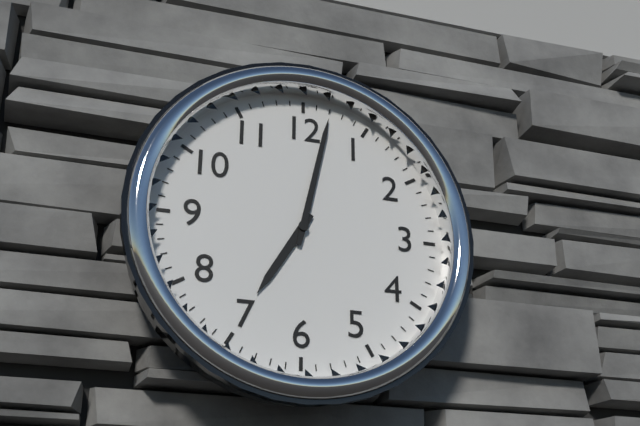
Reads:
h=7 m=2
